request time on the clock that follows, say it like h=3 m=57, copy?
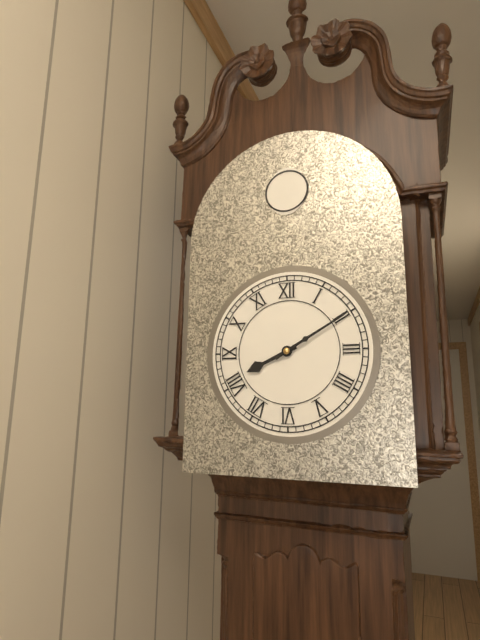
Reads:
h=8 m=10
